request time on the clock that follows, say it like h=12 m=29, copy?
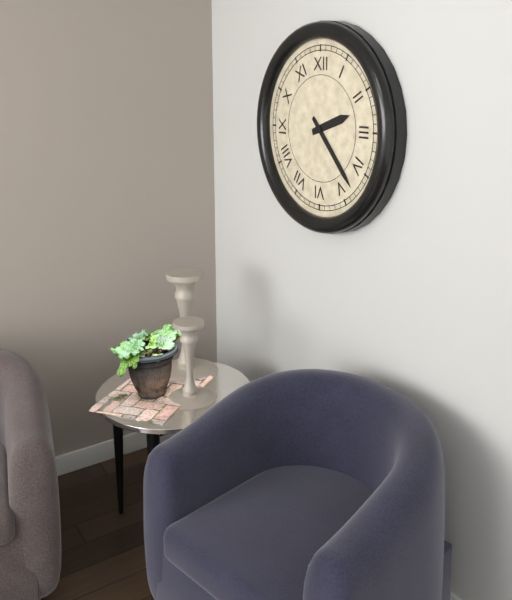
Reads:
h=2 m=23
